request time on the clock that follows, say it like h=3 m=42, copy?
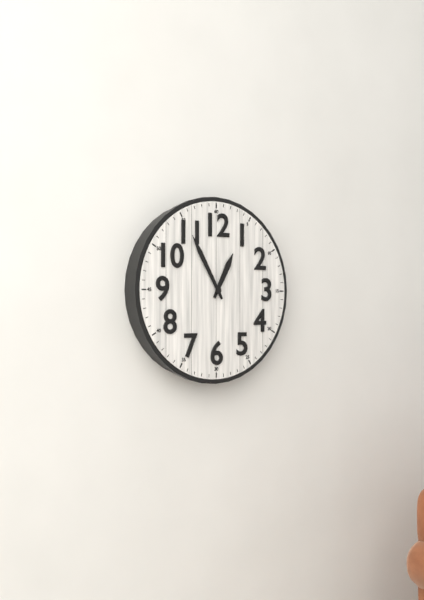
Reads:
h=12 m=55
